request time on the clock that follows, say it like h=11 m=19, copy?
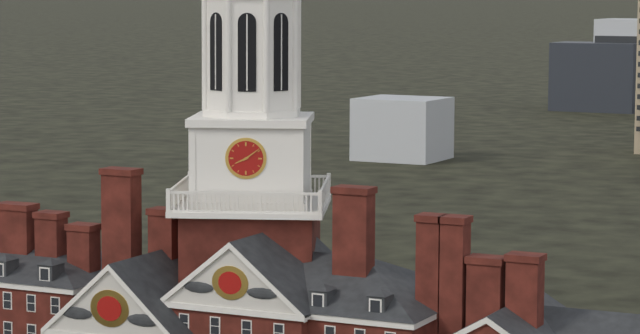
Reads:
h=8 m=9
